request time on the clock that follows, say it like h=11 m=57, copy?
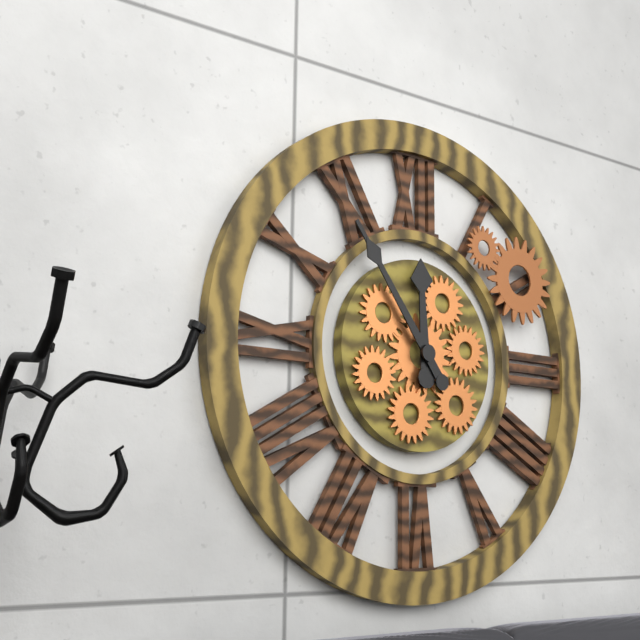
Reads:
h=11 m=54
